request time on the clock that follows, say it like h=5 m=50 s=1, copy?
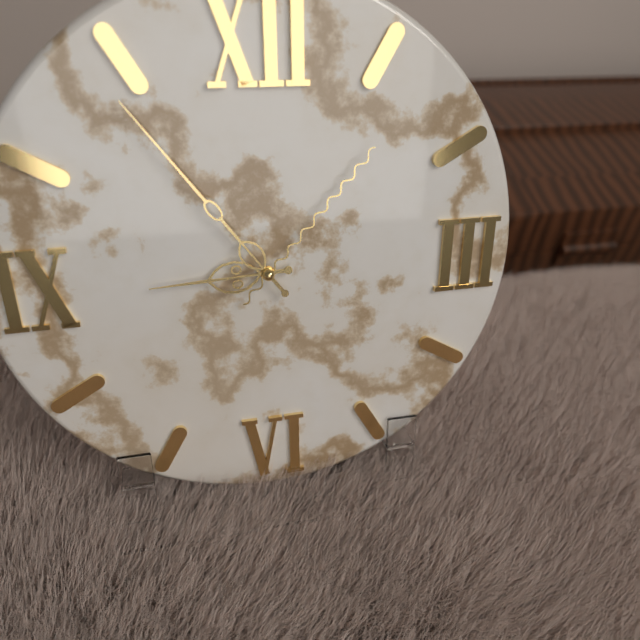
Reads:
h=8 m=54 s=7
